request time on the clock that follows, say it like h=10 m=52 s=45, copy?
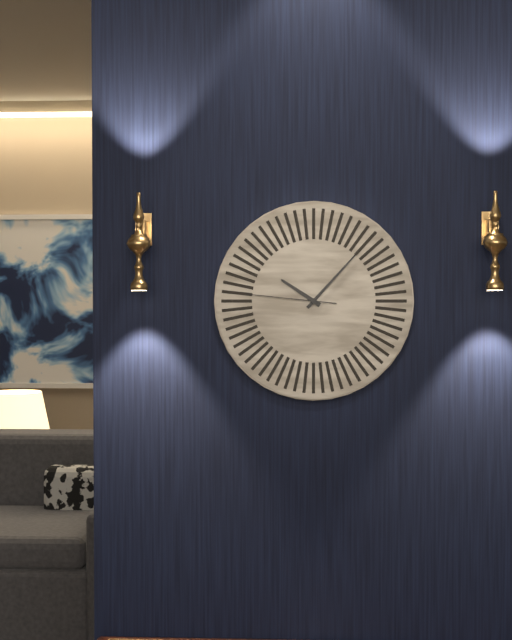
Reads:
h=10 m=7 s=46
